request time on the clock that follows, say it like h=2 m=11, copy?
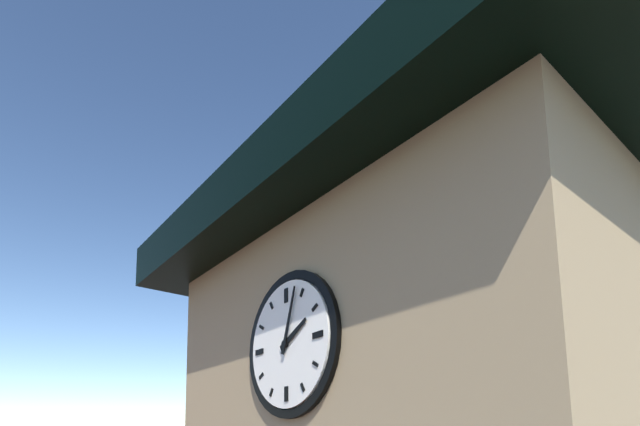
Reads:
h=2 m=3
